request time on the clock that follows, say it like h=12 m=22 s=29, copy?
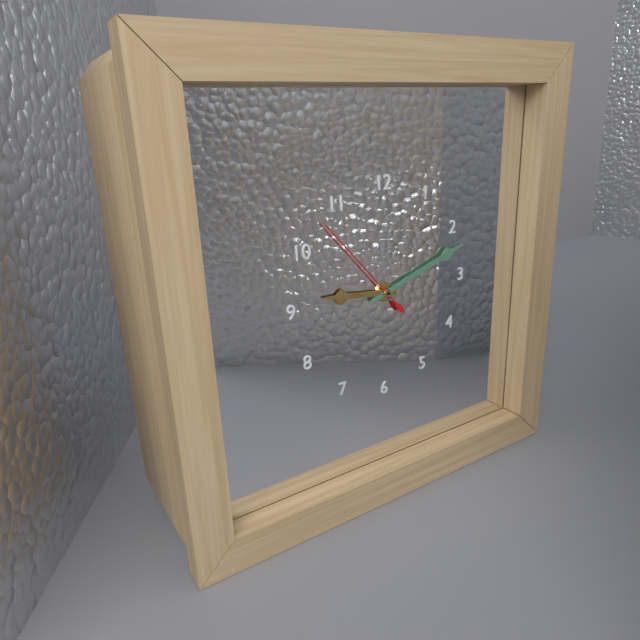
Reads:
h=9 m=12 s=53
